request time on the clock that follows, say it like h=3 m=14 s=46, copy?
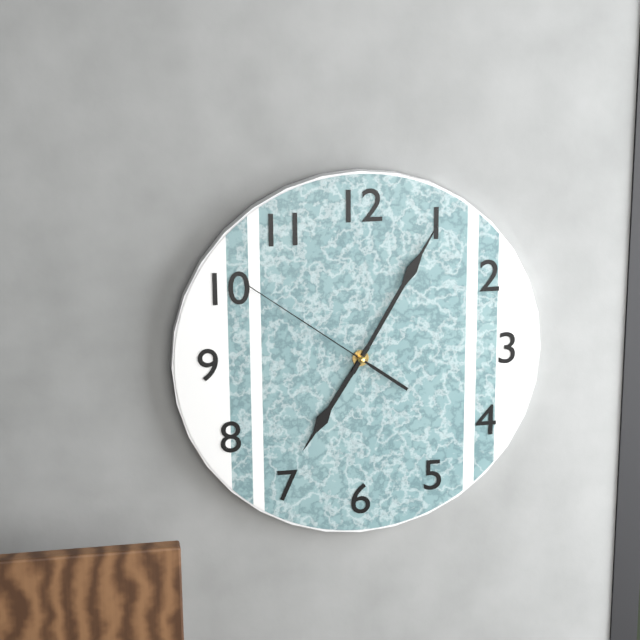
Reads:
h=7 m=5 s=51
